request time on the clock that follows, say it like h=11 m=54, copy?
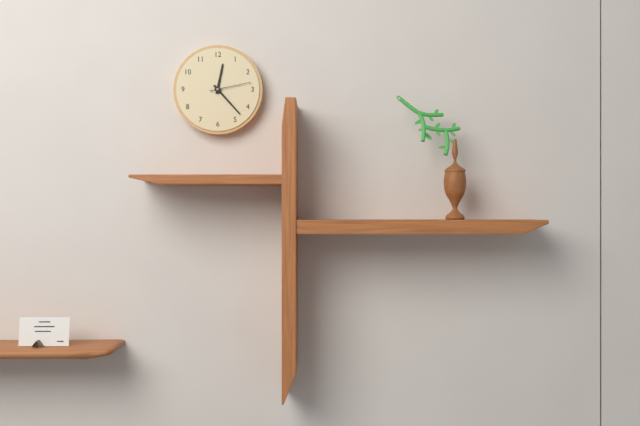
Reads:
h=12 m=23
